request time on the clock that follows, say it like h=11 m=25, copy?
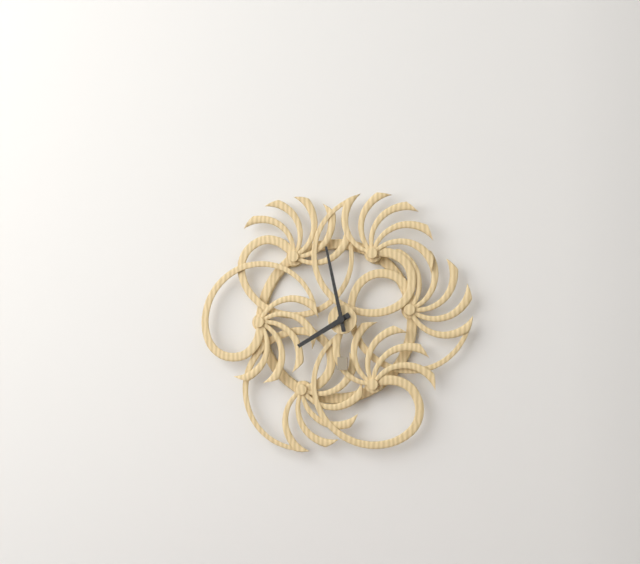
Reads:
h=7 m=58
